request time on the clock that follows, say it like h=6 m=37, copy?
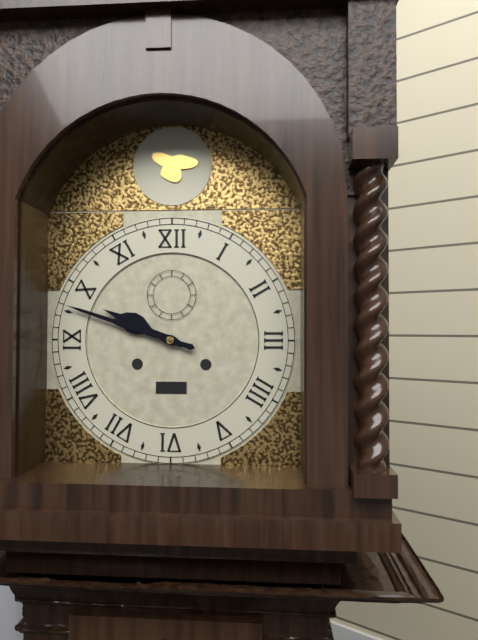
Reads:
h=9 m=48
